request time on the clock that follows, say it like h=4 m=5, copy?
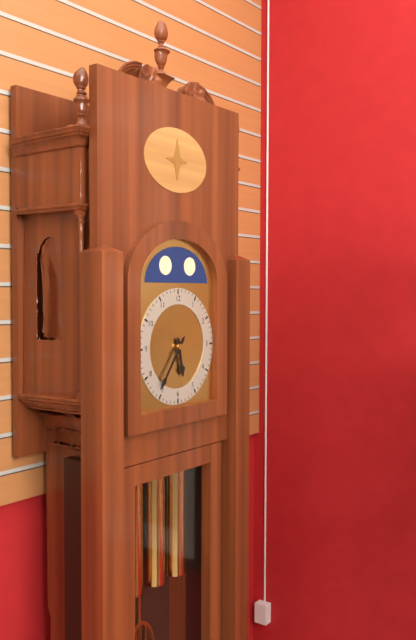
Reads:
h=5 m=36
